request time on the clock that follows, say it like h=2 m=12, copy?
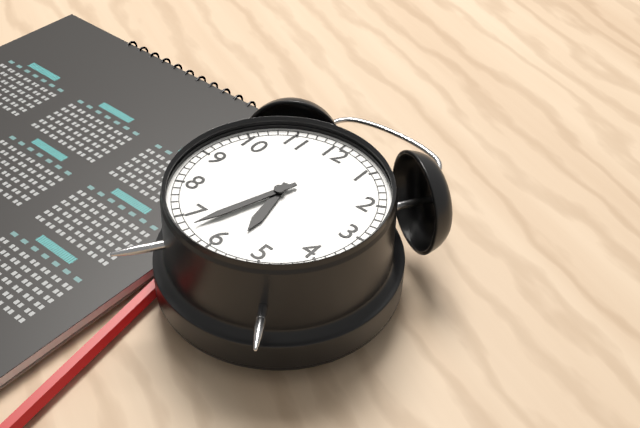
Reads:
h=5 m=33
